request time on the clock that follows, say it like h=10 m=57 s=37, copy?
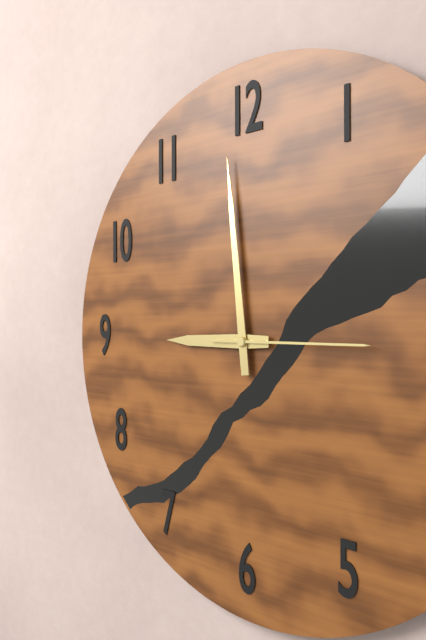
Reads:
h=8 m=59 s=15
